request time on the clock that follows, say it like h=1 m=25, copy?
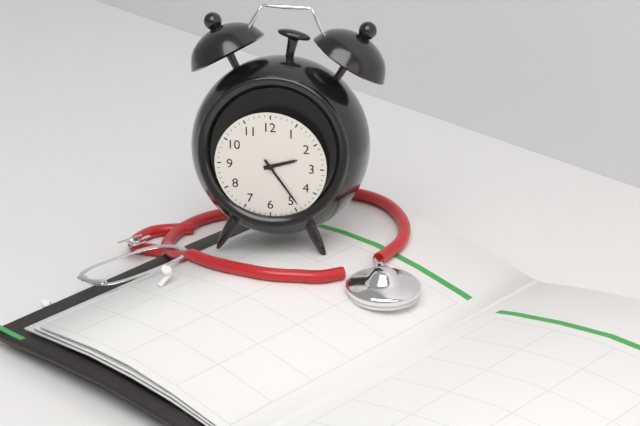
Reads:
h=2 m=24
